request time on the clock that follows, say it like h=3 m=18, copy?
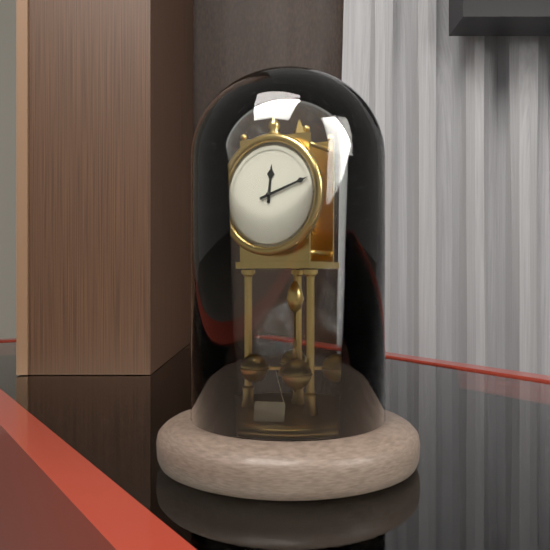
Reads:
h=12 m=12
